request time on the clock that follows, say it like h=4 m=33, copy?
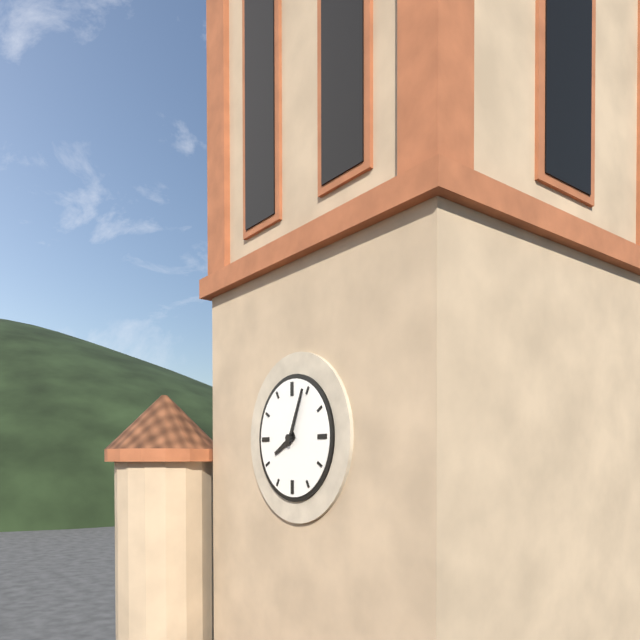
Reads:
h=8 m=4
